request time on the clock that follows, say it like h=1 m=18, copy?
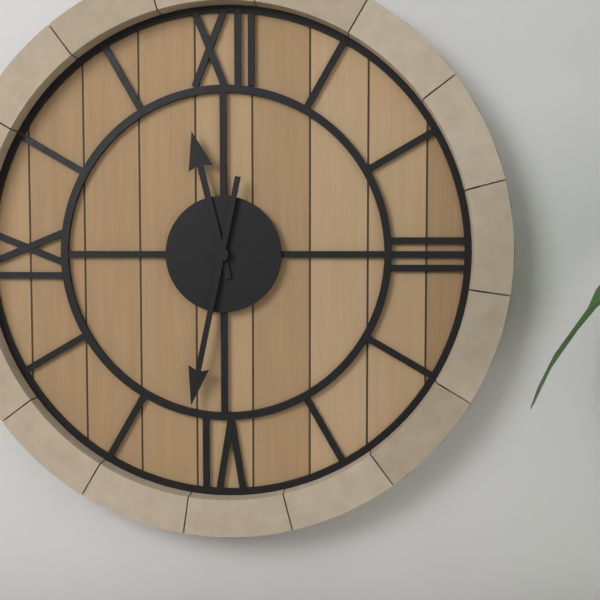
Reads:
h=11 m=32
